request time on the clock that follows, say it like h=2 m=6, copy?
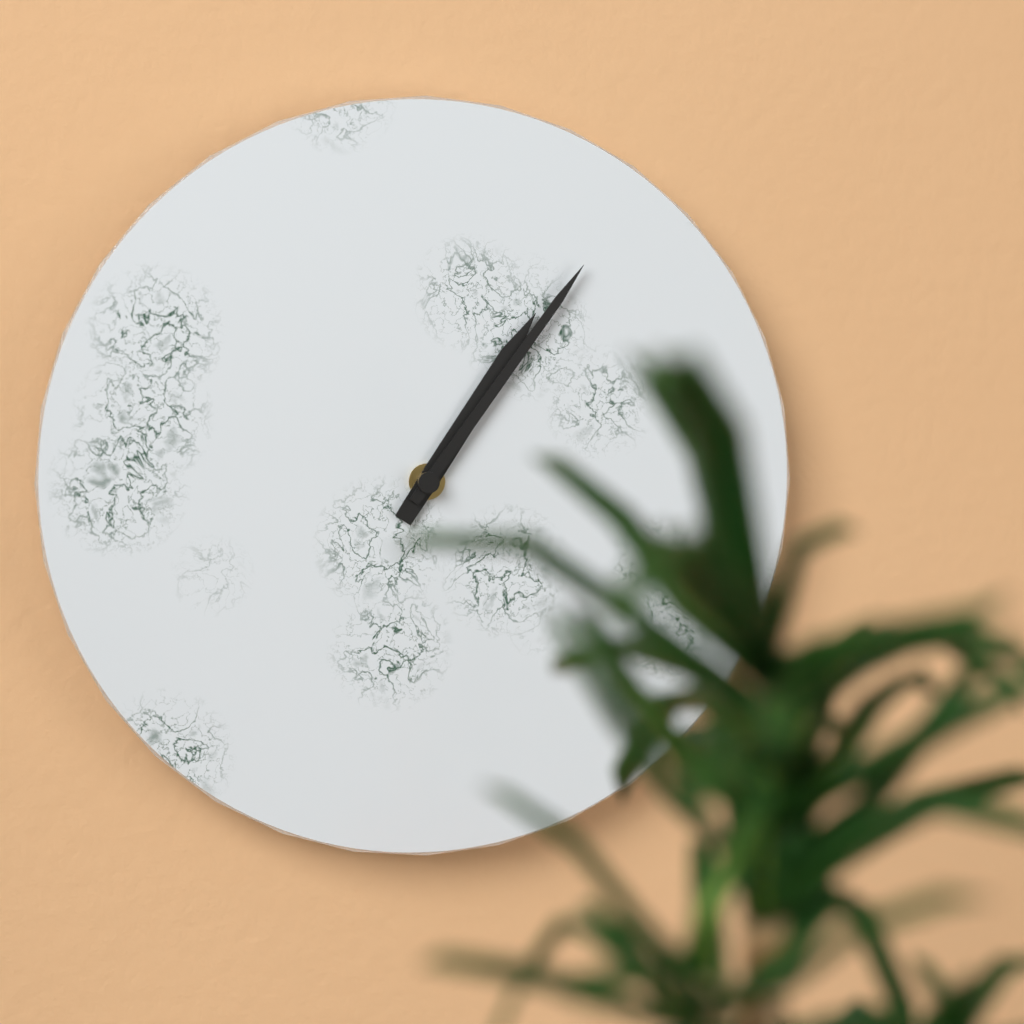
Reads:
h=1 m=6
